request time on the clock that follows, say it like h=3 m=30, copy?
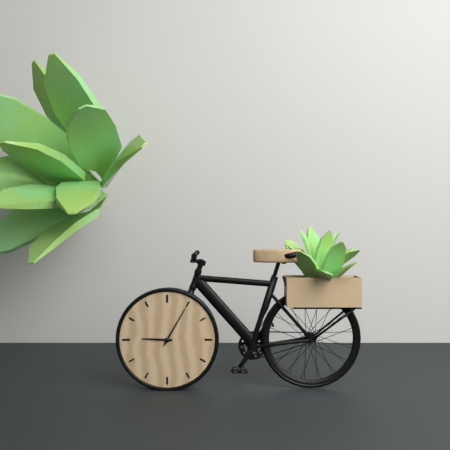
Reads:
h=9 m=5
